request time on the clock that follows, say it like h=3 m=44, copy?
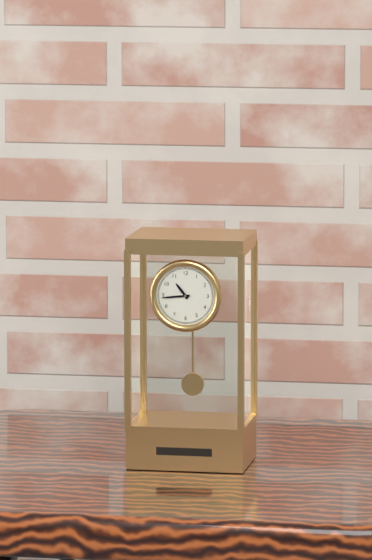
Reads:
h=10 m=44
